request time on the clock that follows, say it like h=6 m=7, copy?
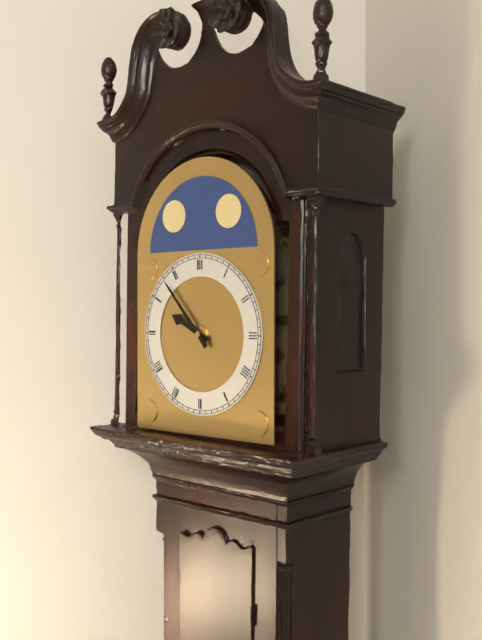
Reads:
h=9 m=53
